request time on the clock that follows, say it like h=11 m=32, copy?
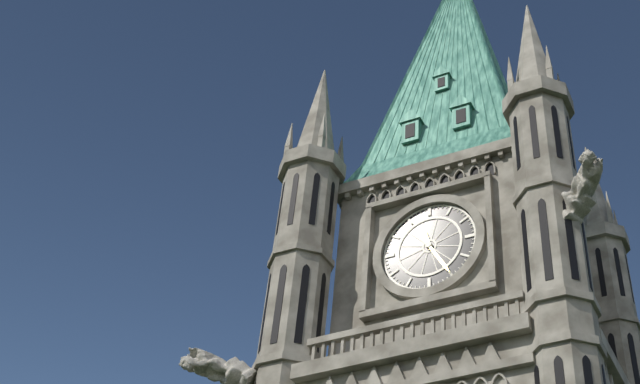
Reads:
h=11 m=25
